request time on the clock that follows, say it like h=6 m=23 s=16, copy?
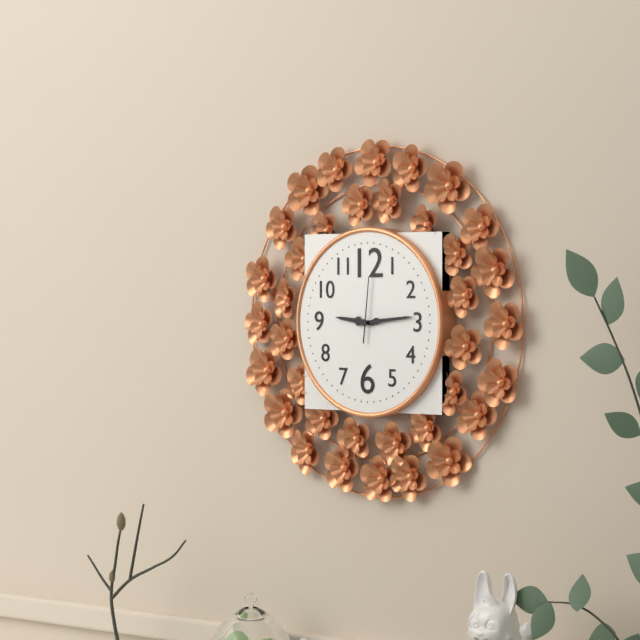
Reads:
h=9 m=14 s=1
